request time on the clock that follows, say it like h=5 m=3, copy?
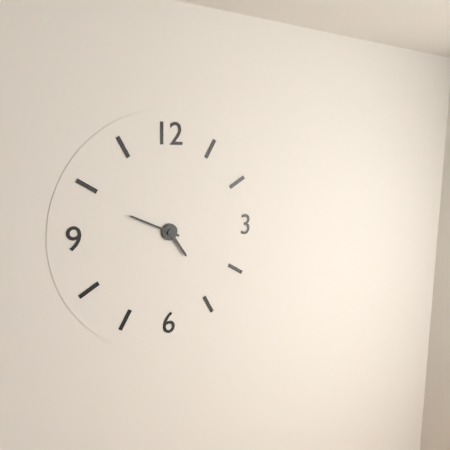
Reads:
h=4 m=49
